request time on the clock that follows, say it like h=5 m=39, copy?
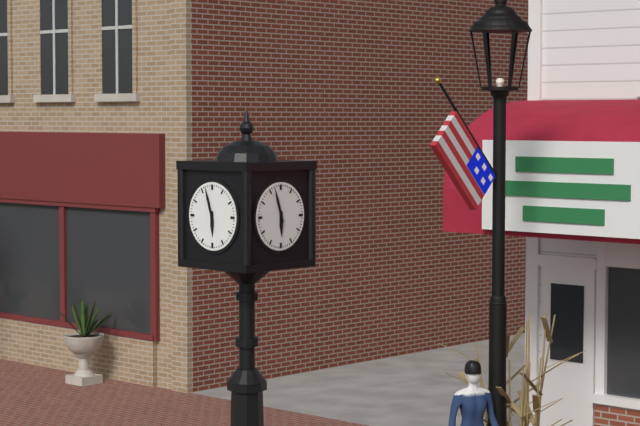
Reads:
h=5 m=57
